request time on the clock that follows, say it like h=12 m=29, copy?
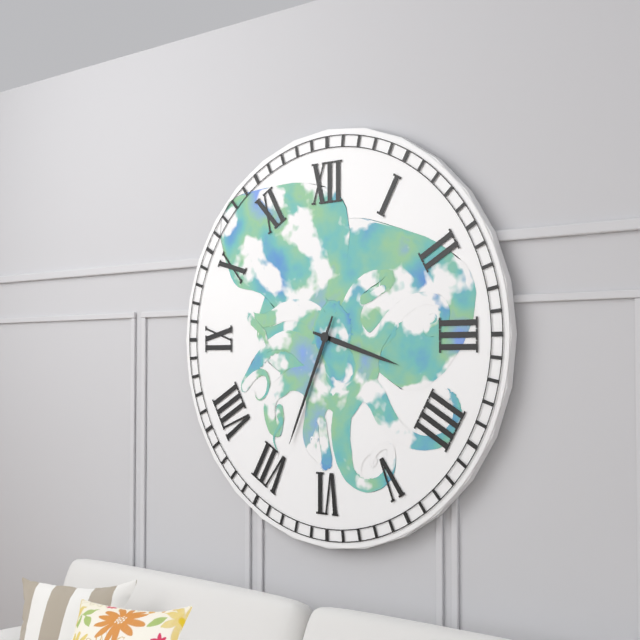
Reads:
h=3 m=34
